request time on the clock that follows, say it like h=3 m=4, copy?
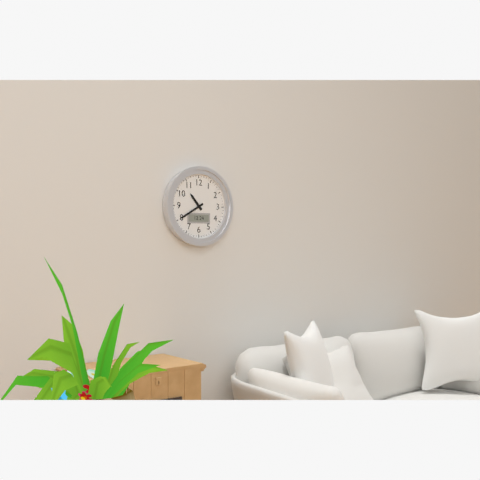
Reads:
h=10 m=40
